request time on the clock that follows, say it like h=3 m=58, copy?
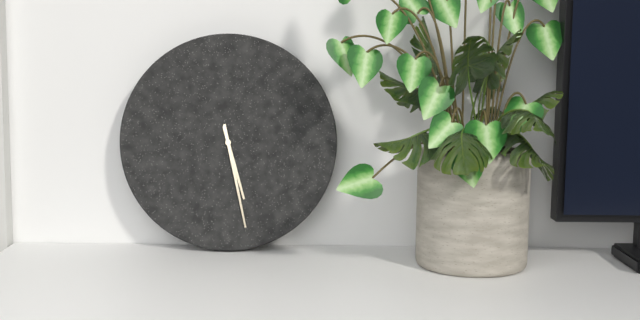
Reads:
h=5 m=28
